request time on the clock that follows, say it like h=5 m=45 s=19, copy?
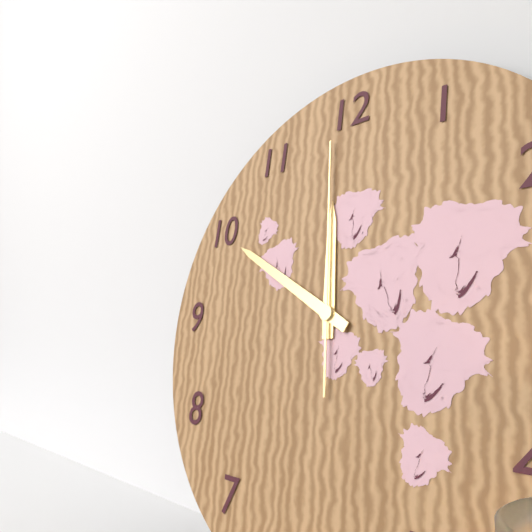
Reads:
h=11 m=50 s=59
